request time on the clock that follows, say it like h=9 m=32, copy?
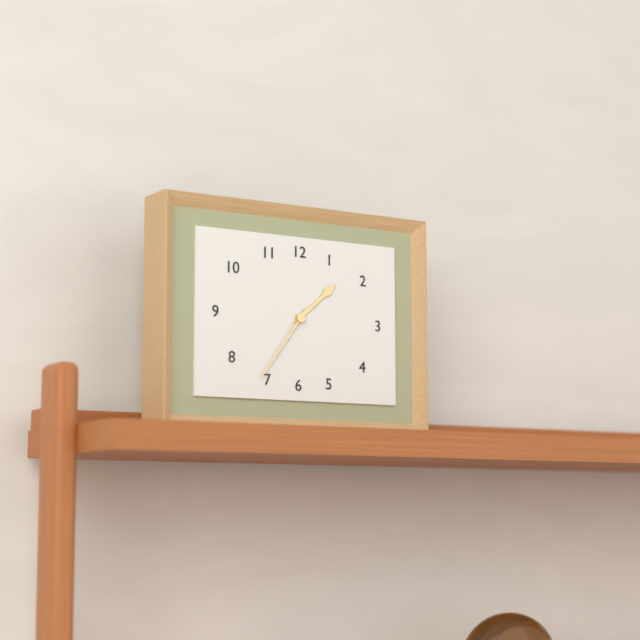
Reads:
h=1 m=36
